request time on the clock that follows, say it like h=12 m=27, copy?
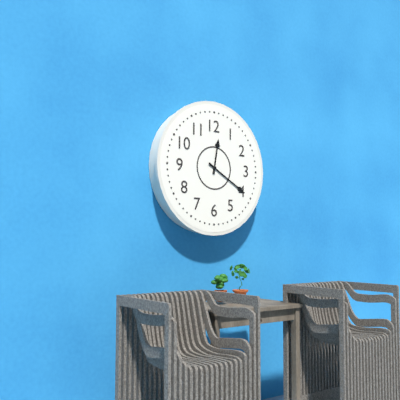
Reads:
h=12 m=20
